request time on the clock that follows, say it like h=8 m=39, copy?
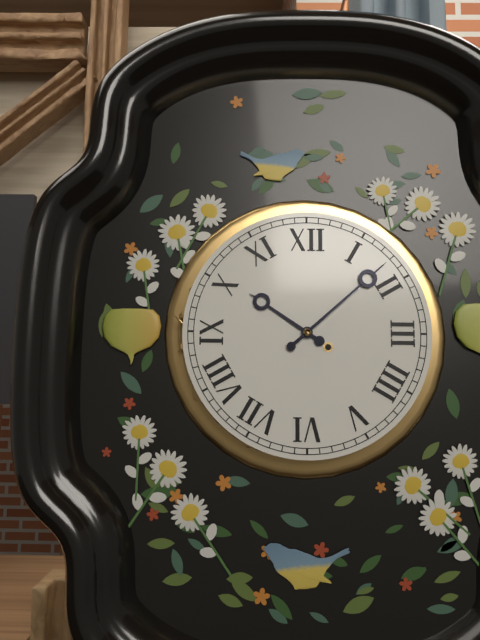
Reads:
h=10 m=8
